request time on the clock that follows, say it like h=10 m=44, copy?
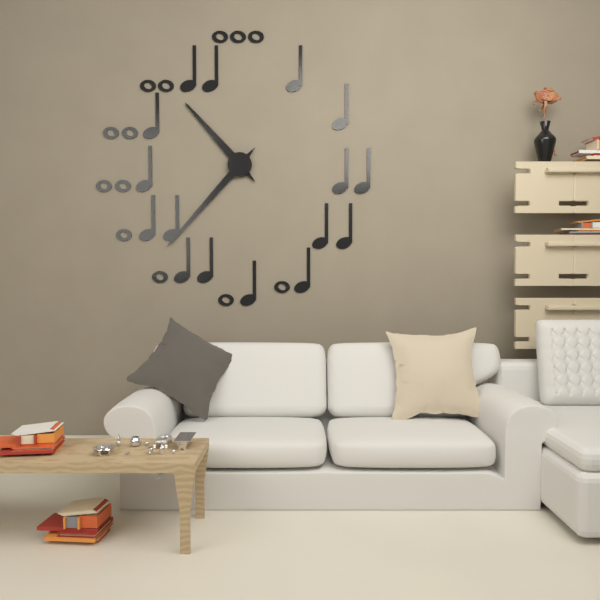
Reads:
h=10 m=37
